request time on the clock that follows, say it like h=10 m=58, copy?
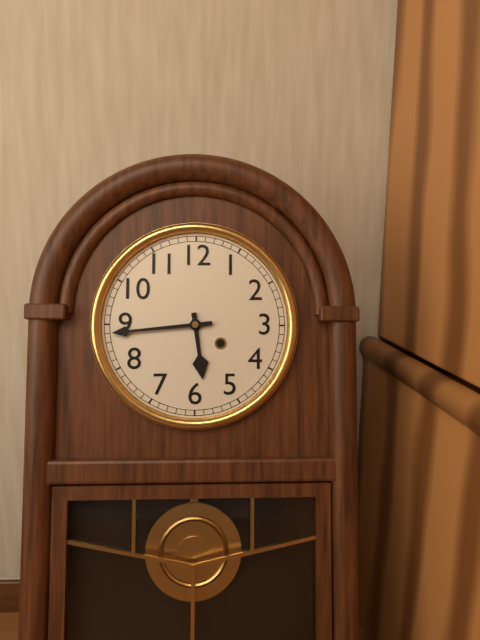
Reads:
h=5 m=44
